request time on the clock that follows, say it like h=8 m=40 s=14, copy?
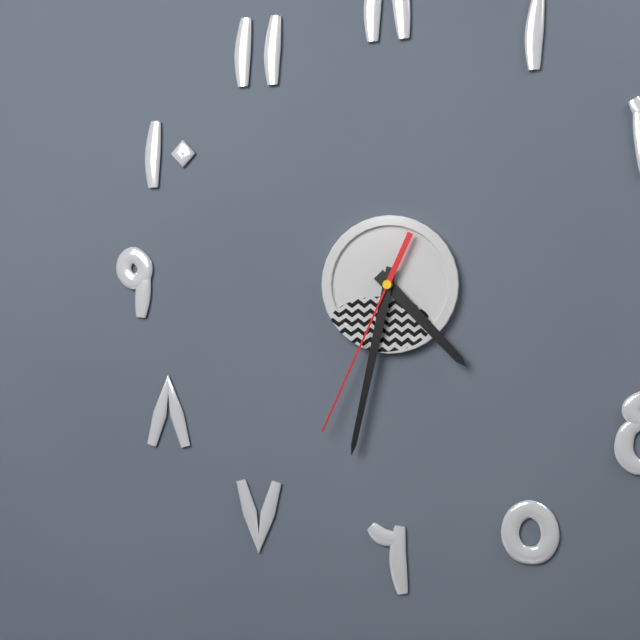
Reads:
h=4 m=32 s=34
